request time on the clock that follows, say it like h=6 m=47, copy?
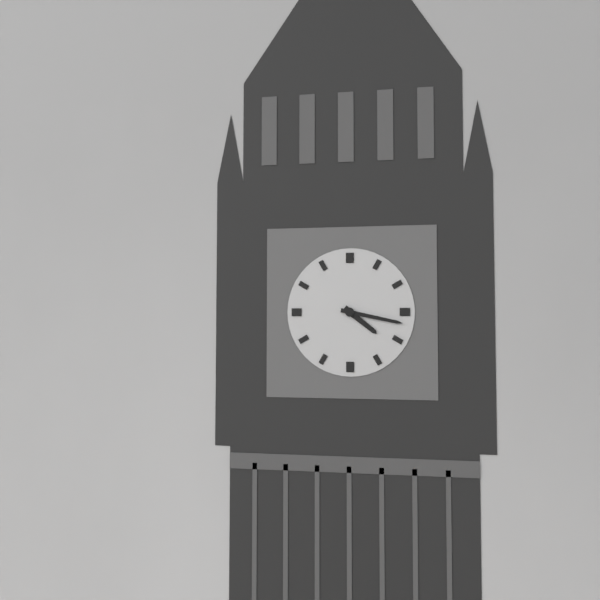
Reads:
h=4 m=17
